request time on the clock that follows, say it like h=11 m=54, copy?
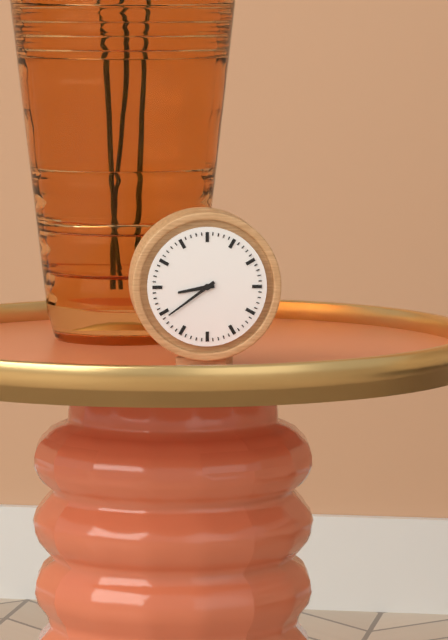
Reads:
h=8 m=39
